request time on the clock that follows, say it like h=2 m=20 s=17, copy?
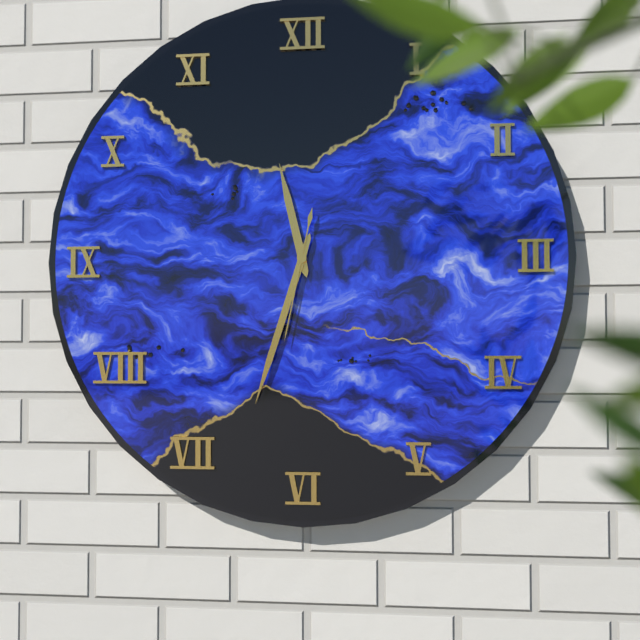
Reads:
h=11 m=33 s=32
